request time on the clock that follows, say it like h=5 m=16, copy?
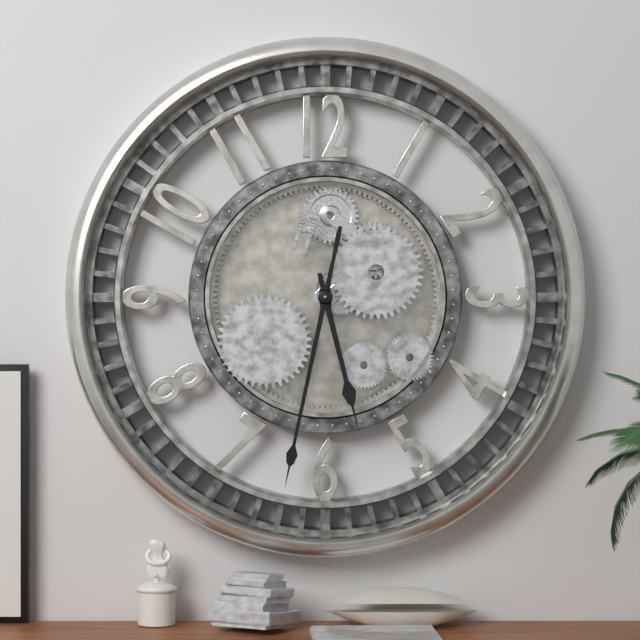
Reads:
h=5 m=32
